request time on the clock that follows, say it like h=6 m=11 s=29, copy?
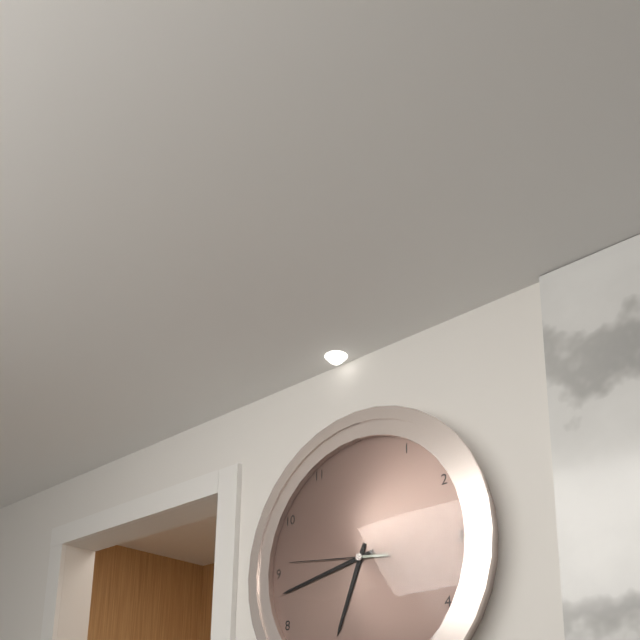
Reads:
h=6 m=43 s=46
